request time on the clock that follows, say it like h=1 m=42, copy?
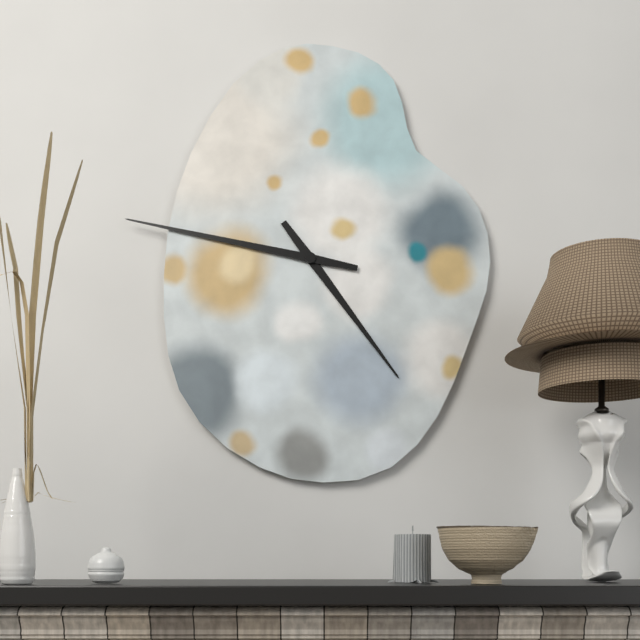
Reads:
h=4 m=47
